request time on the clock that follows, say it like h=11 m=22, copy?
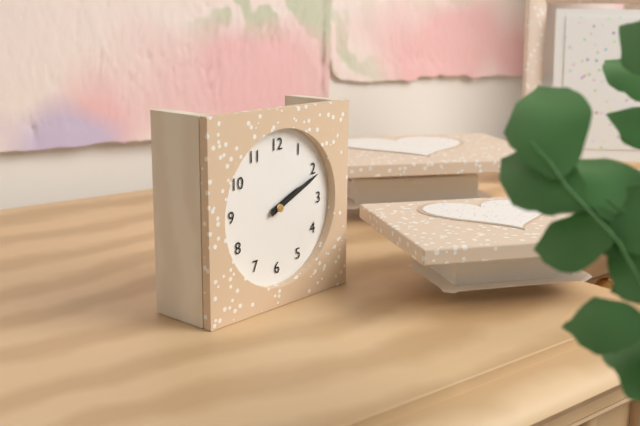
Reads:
h=2 m=11
